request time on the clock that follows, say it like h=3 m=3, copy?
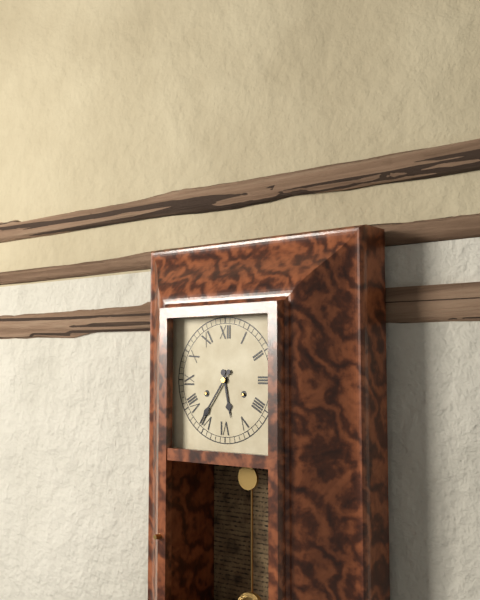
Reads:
h=5 m=36
